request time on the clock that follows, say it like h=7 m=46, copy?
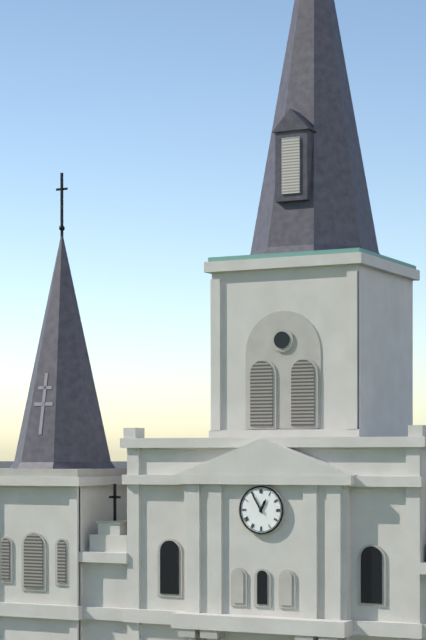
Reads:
h=12 m=55
